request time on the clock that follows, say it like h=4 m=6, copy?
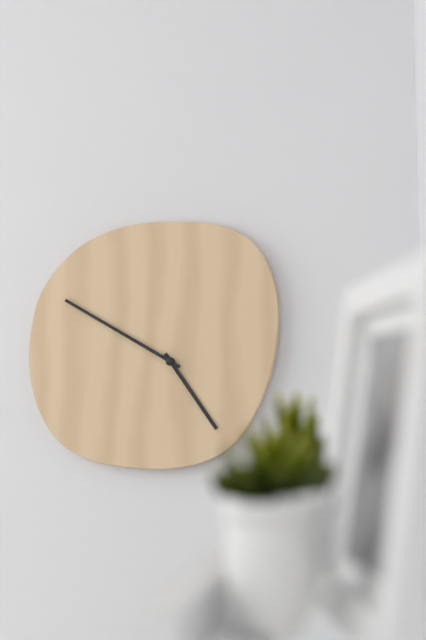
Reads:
h=4 m=50
